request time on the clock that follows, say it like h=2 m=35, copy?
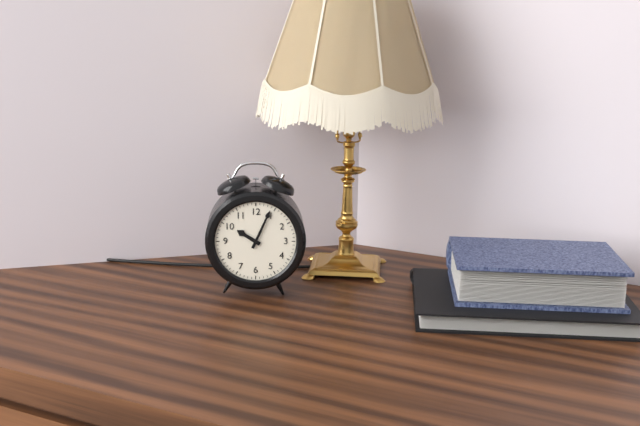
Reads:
h=10 m=4
